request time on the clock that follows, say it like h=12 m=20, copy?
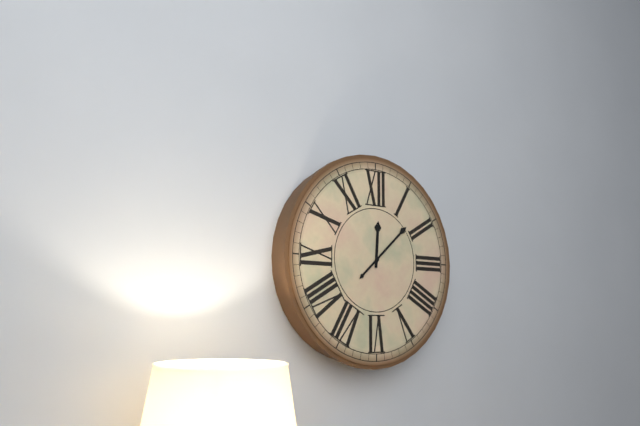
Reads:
h=12 m=8
